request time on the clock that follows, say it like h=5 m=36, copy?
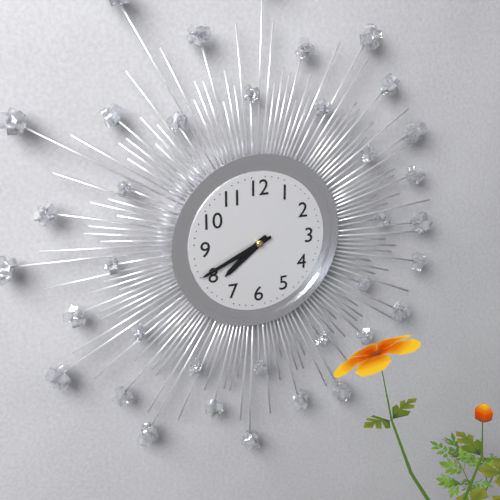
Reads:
h=7 m=41
